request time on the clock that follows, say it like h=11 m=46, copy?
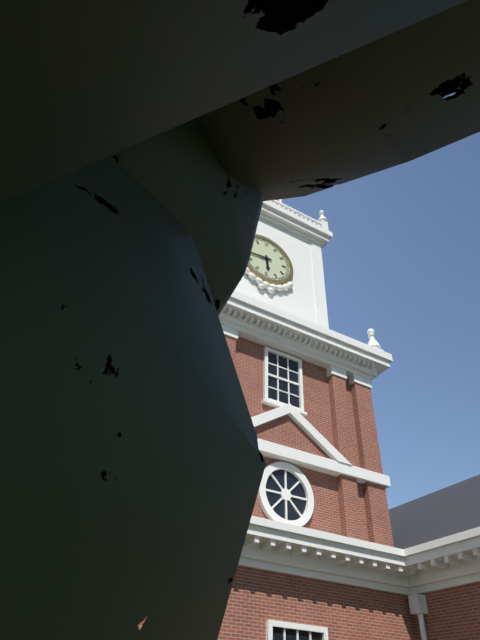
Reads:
h=5 m=44
